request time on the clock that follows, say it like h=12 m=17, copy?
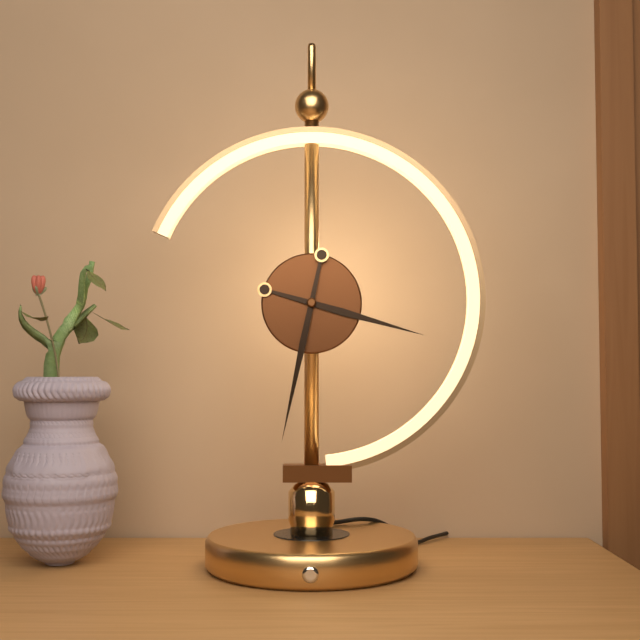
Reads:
h=3 m=32
